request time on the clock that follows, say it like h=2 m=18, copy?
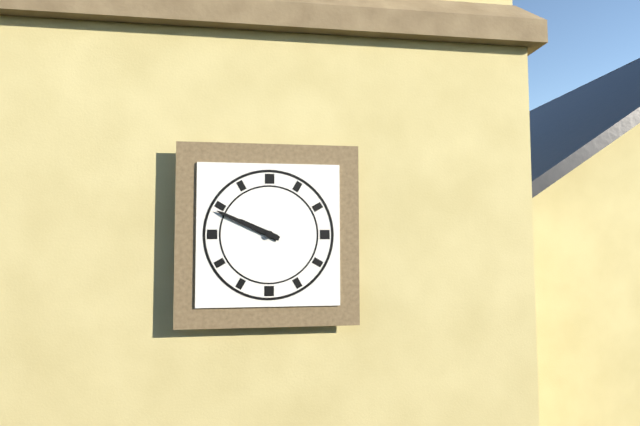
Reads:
h=9 m=49
